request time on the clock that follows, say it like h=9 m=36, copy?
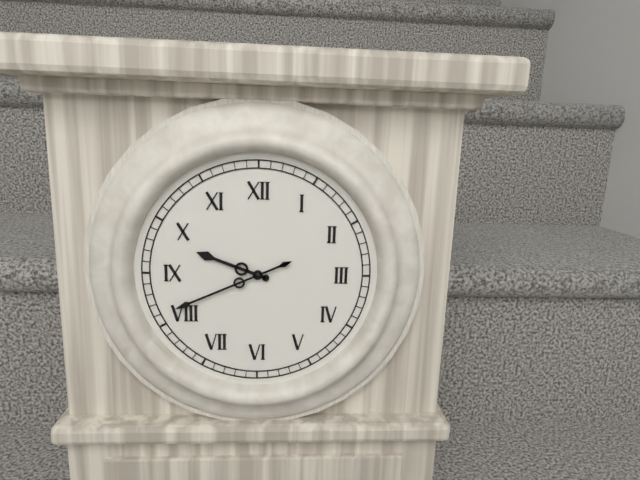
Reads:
h=9 m=41
